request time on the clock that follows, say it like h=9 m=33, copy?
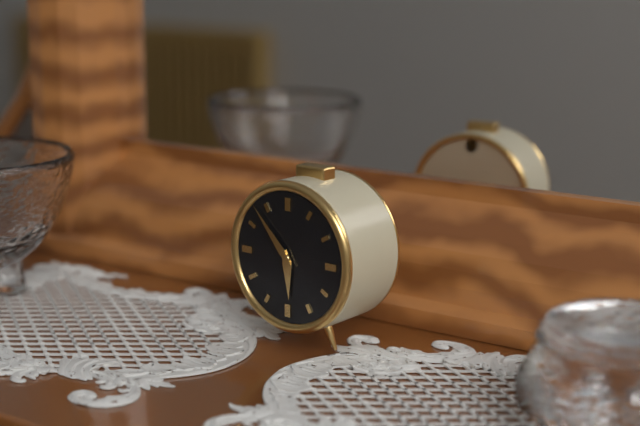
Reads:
h=5 m=53
